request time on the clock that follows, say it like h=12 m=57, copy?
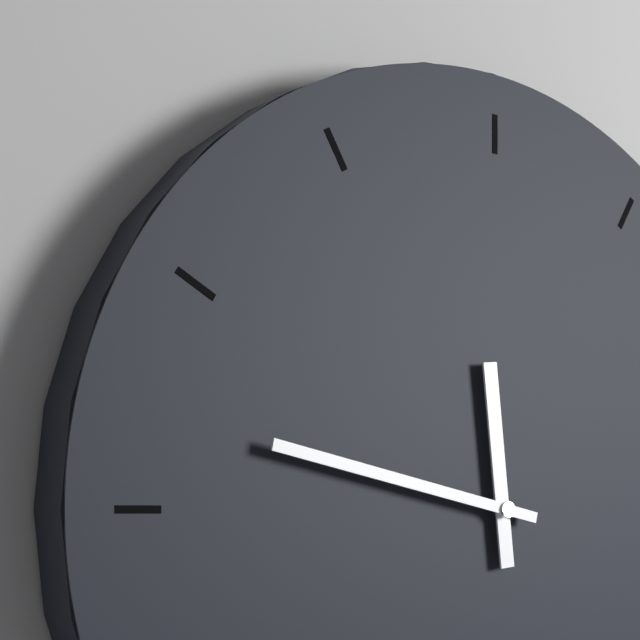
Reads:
h=11 m=47
